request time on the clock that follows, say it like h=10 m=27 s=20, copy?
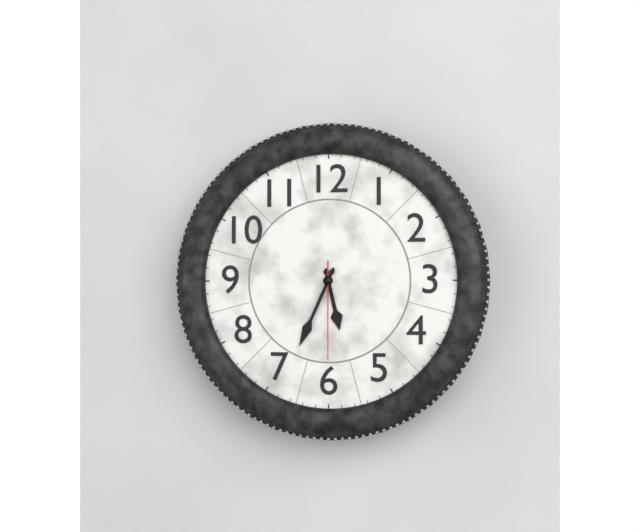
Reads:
h=5 m=34 s=30
